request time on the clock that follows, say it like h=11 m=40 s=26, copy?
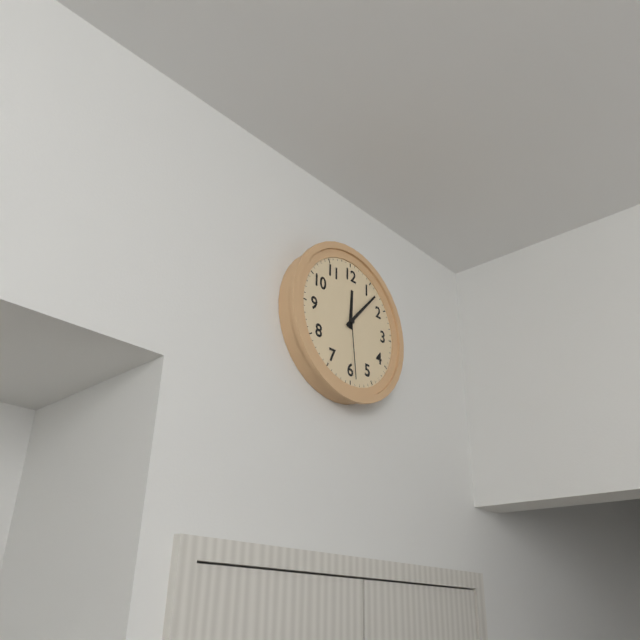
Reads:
h=12 m=7 s=29
